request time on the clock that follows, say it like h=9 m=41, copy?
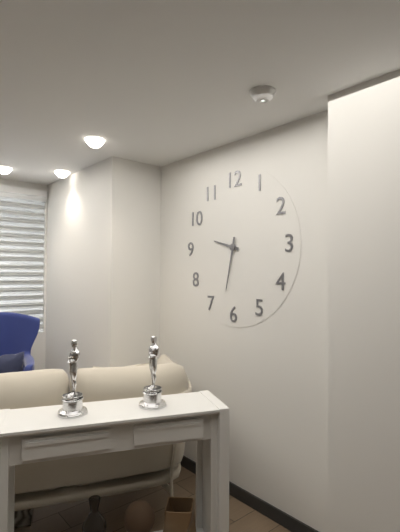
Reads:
h=9 m=32
